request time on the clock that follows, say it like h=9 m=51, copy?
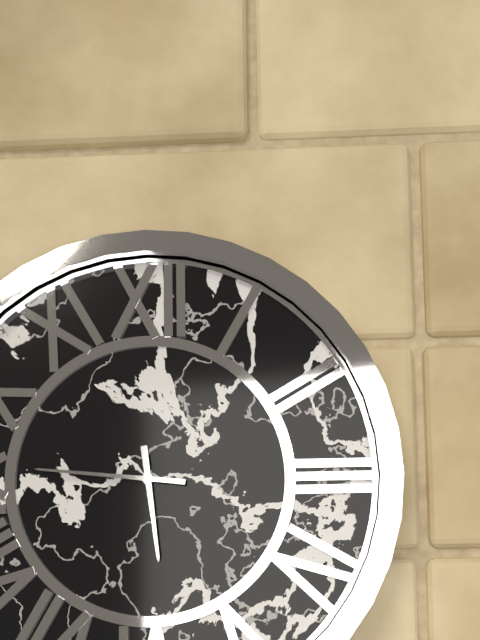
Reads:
h=5 m=46
